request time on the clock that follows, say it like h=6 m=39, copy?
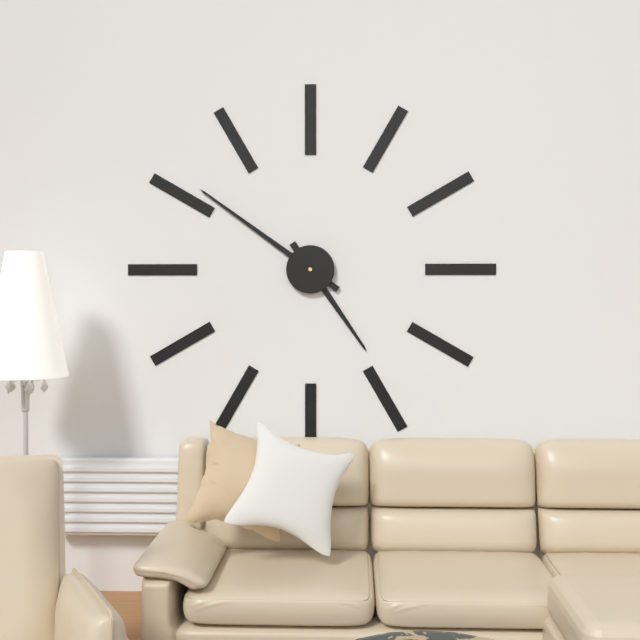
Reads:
h=4 m=51
